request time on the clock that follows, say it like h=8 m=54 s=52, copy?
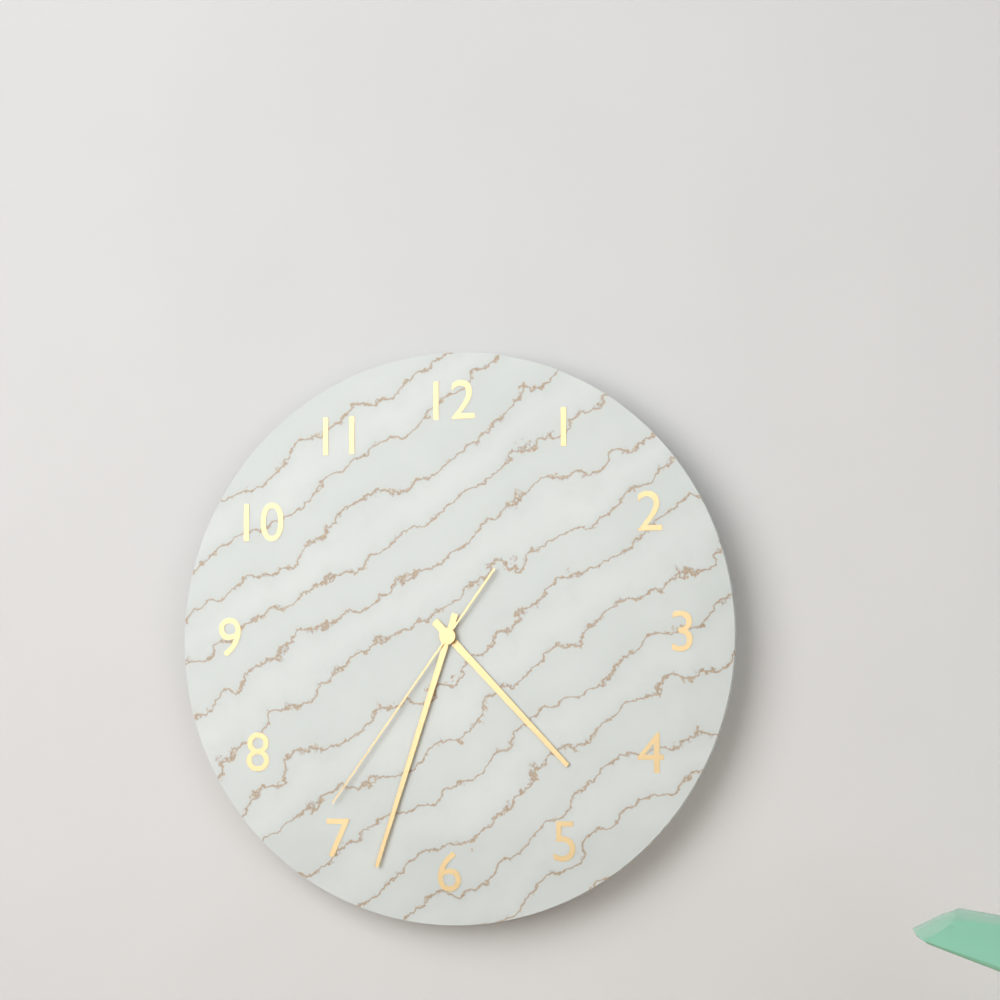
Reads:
h=4 m=33 s=36
